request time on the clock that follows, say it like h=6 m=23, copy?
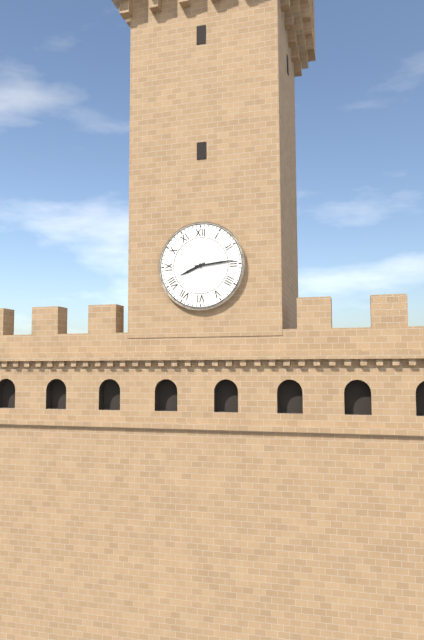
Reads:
h=8 m=14
